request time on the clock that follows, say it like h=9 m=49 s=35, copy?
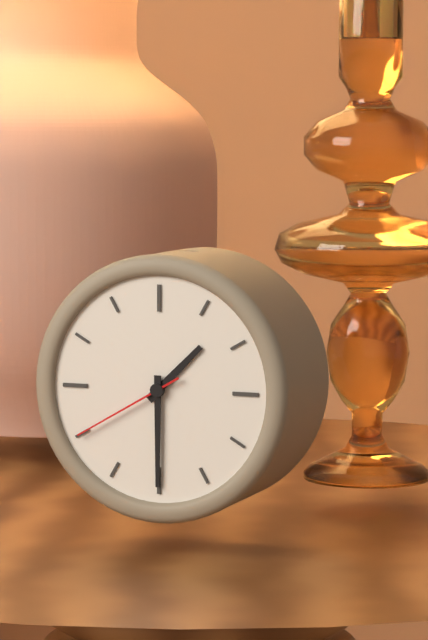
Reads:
h=1 m=30 s=40
